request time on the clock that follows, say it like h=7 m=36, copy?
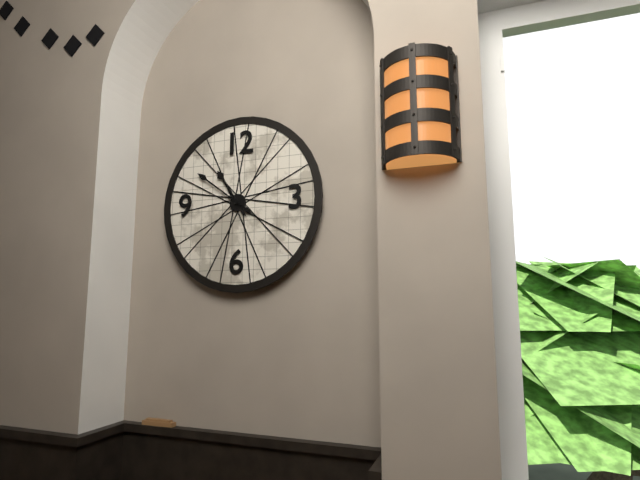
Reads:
h=10 m=51
